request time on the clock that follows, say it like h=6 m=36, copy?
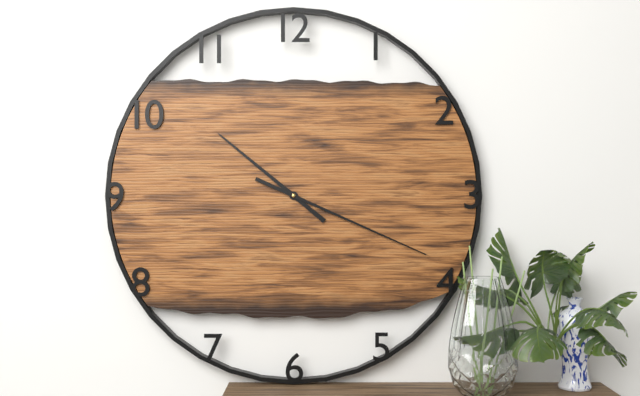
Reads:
h=10 m=19
